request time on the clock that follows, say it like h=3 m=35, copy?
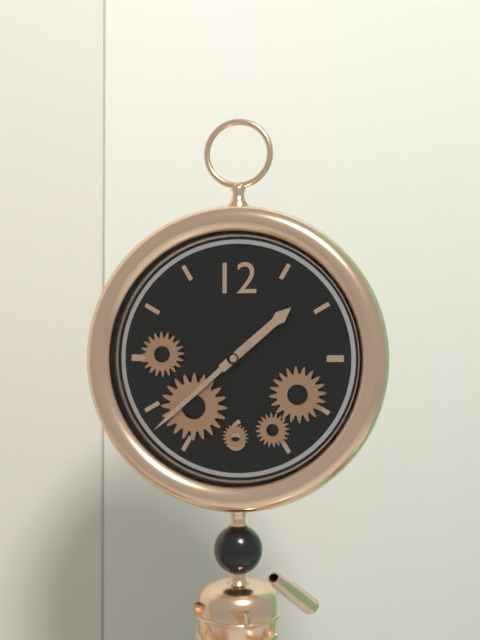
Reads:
h=1 m=38
